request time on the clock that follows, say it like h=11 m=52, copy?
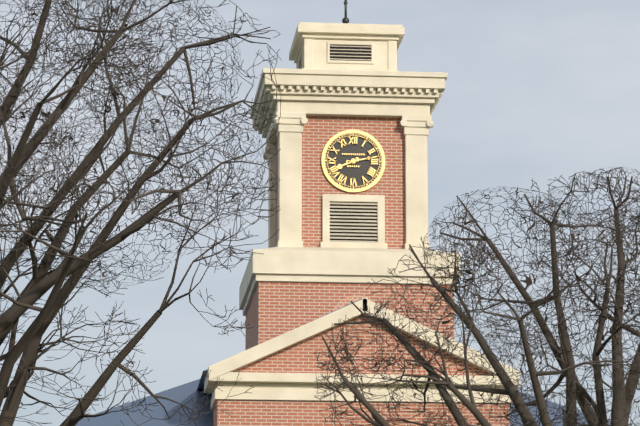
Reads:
h=8 m=13
